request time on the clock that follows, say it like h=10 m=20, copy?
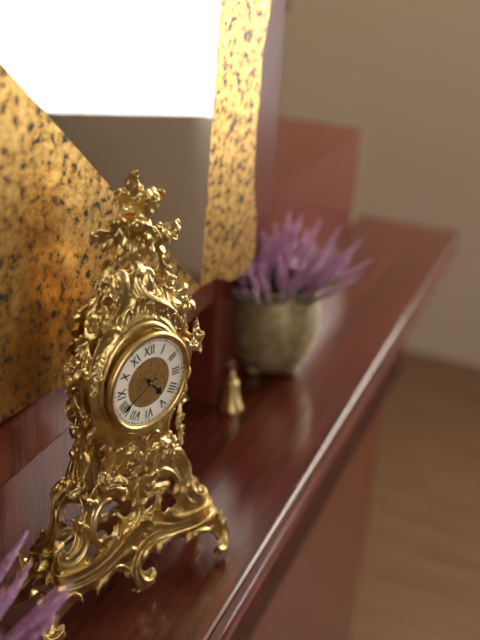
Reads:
h=4 m=40
